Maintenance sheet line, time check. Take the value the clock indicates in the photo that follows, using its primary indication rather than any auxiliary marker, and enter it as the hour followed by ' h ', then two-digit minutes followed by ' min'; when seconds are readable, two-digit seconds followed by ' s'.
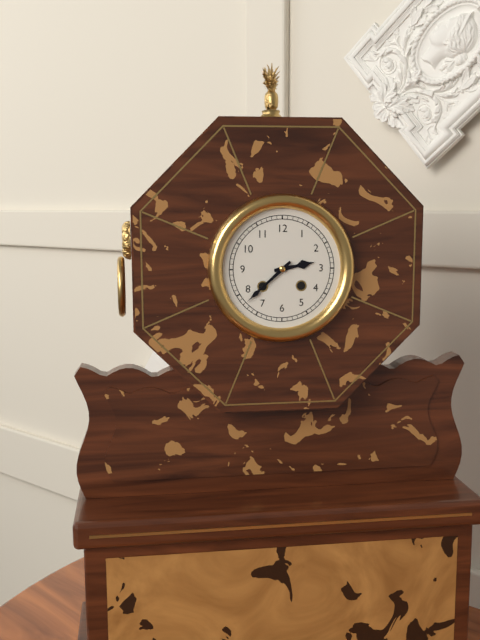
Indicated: 2 h 38 min
